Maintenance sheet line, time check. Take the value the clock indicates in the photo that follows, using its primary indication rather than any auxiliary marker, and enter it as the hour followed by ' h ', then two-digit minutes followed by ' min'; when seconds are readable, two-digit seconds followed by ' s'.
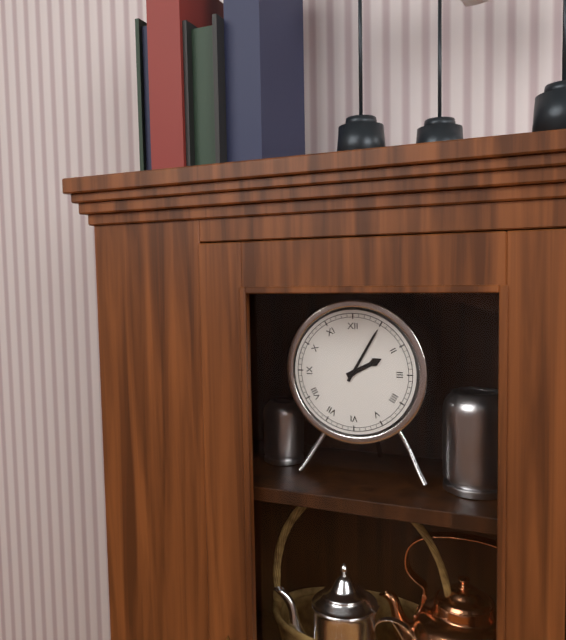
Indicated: 2 h 05 min
